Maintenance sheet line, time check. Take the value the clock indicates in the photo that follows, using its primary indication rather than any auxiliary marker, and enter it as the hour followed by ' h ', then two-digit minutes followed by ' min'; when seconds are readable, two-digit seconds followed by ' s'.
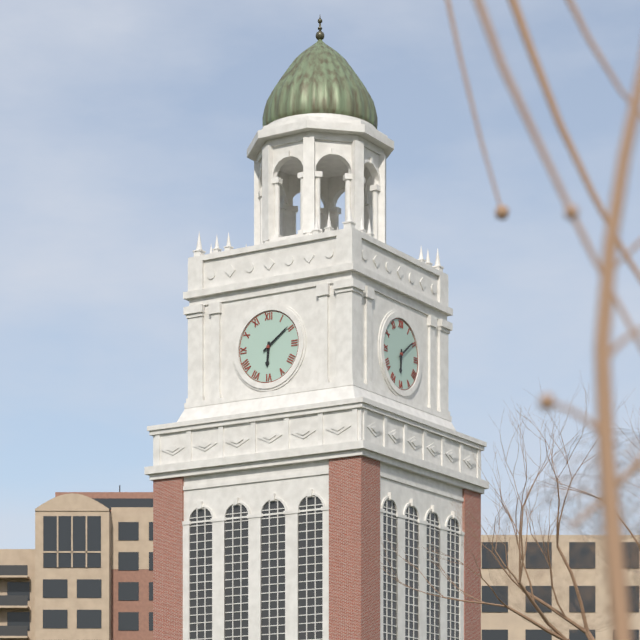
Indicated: 6 h 09 min
